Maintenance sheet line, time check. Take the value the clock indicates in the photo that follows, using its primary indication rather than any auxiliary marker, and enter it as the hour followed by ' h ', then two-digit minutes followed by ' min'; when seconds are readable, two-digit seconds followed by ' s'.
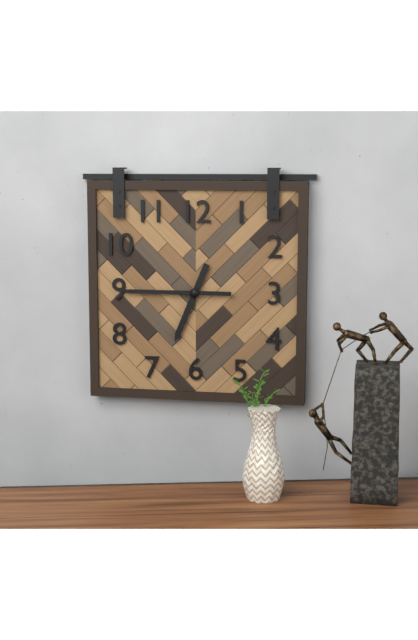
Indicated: 6 h 45 min
